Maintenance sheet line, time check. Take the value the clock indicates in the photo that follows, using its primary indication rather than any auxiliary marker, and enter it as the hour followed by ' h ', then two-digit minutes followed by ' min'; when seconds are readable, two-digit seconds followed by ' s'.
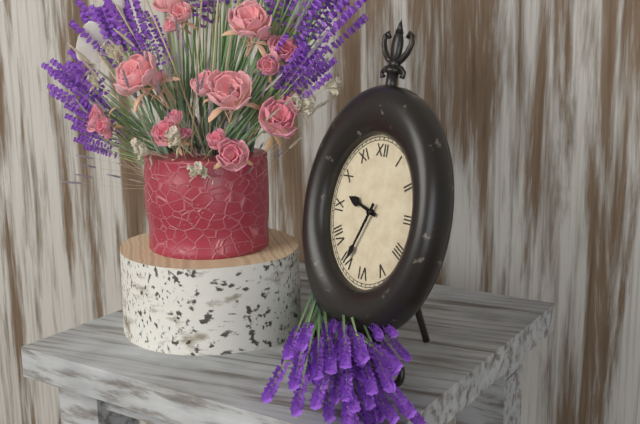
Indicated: 9 h 34 min
